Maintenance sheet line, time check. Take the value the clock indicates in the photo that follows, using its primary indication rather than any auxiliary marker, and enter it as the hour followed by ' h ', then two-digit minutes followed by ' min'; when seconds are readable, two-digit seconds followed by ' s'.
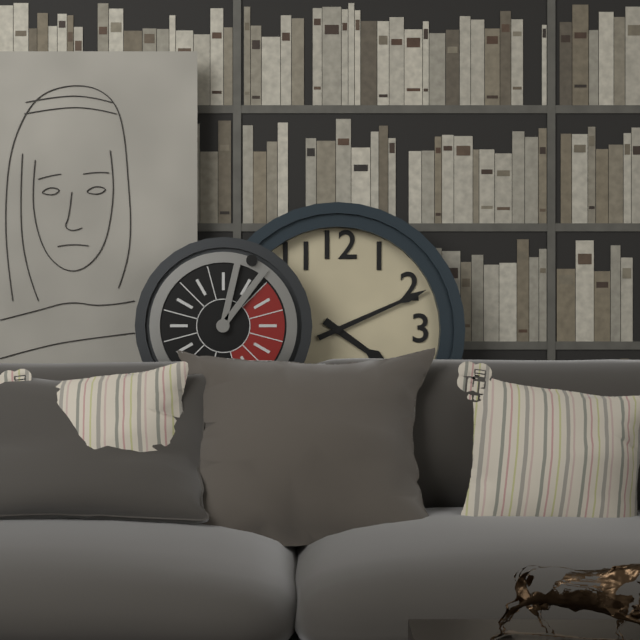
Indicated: 4 h 11 min
